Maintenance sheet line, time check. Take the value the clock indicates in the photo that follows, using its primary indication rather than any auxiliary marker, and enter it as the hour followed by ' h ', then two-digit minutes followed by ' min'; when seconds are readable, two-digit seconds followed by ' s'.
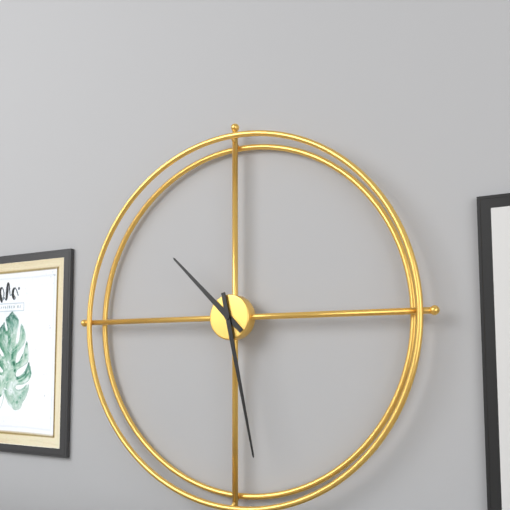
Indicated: 10 h 28 min
